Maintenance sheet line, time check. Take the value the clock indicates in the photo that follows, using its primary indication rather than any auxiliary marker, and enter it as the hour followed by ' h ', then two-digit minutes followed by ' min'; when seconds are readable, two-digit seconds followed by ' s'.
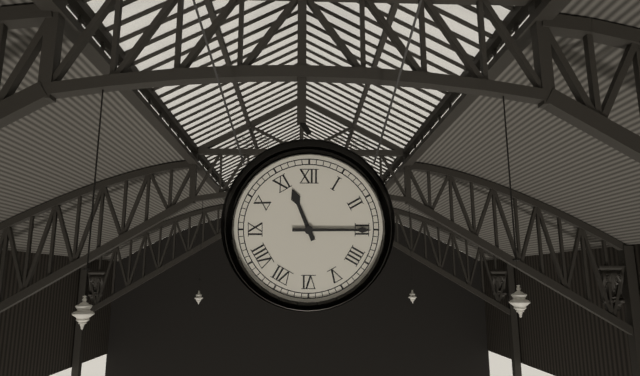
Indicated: 11 h 15 min
